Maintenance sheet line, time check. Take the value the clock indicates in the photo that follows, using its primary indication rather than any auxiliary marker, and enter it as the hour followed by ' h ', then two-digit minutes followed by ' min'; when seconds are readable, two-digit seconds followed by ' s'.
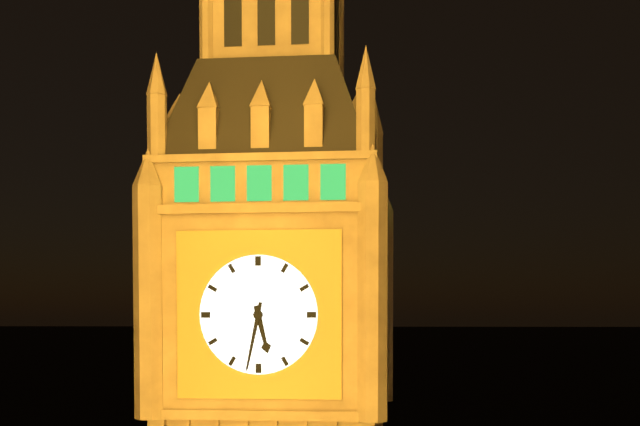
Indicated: 5 h 32 min
